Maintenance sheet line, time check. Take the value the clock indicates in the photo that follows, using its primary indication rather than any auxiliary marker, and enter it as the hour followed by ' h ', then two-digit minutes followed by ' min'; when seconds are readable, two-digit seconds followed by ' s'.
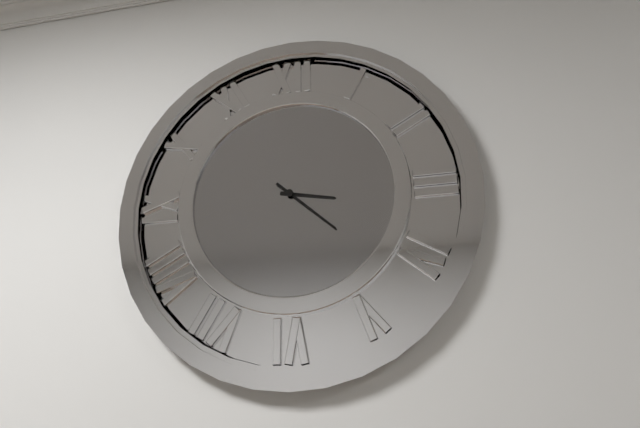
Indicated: 3 h 22 min
